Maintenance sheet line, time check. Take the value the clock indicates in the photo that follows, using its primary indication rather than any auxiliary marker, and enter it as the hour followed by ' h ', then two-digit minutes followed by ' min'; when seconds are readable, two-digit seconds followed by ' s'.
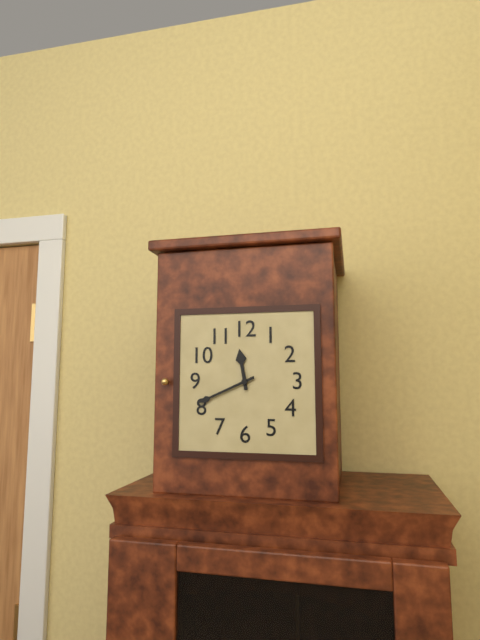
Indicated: 11 h 41 min
